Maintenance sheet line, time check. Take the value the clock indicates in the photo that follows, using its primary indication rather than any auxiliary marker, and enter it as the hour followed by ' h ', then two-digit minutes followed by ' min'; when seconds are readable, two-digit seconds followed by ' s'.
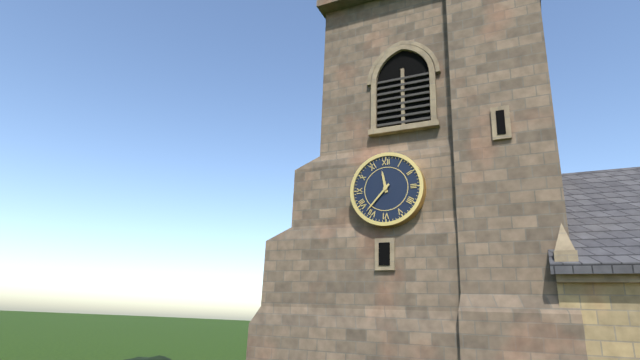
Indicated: 11 h 37 min
